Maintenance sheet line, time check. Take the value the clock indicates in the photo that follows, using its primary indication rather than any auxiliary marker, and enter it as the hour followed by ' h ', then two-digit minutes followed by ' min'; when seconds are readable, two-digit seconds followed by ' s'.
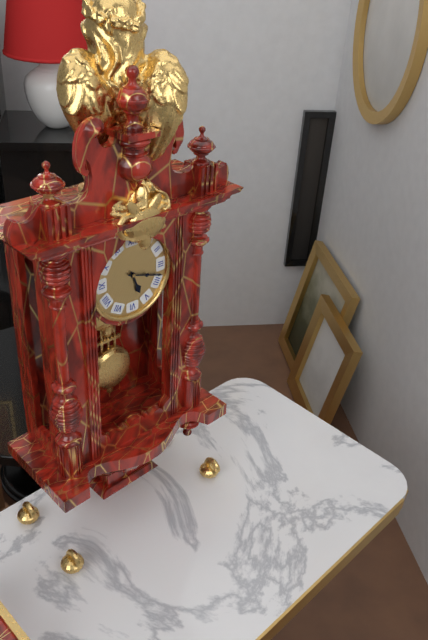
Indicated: 5 h 18 min
